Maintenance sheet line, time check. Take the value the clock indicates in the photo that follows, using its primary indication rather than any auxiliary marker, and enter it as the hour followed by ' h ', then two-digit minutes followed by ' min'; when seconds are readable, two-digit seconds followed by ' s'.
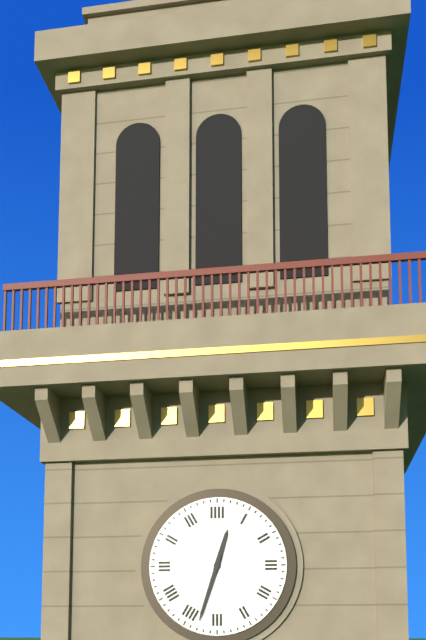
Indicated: 12 h 33 min
